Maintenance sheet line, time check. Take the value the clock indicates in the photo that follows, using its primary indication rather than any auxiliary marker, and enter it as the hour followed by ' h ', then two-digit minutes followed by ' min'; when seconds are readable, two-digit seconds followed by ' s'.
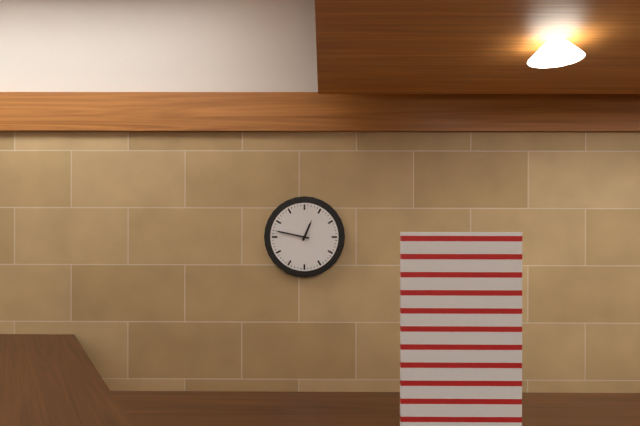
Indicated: 12 h 47 min
